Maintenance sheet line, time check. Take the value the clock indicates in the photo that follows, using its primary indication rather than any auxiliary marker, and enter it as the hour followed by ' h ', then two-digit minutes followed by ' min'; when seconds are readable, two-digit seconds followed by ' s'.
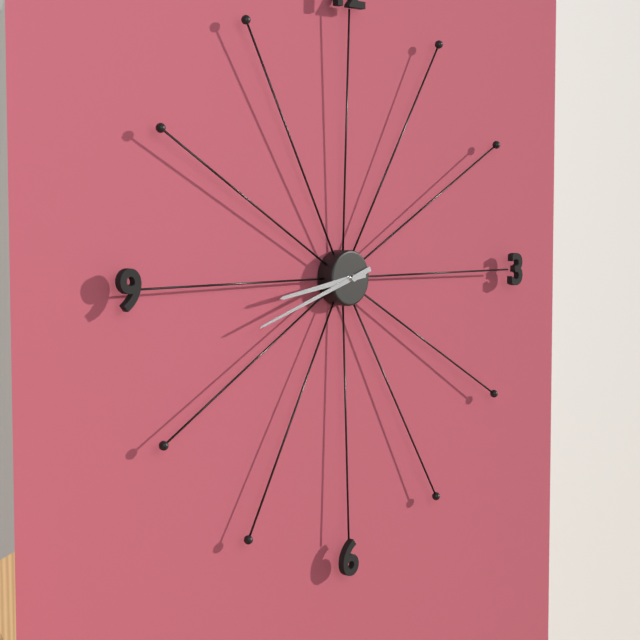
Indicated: 8 h 42 min
